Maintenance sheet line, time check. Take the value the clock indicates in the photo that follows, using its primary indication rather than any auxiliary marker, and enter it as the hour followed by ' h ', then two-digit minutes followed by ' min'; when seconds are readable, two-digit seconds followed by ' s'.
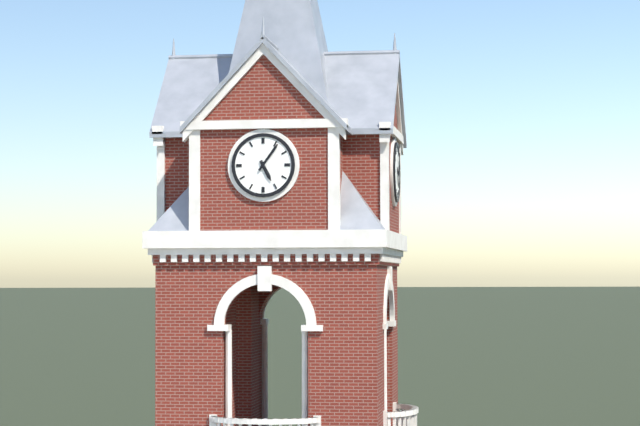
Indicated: 5 h 06 min
